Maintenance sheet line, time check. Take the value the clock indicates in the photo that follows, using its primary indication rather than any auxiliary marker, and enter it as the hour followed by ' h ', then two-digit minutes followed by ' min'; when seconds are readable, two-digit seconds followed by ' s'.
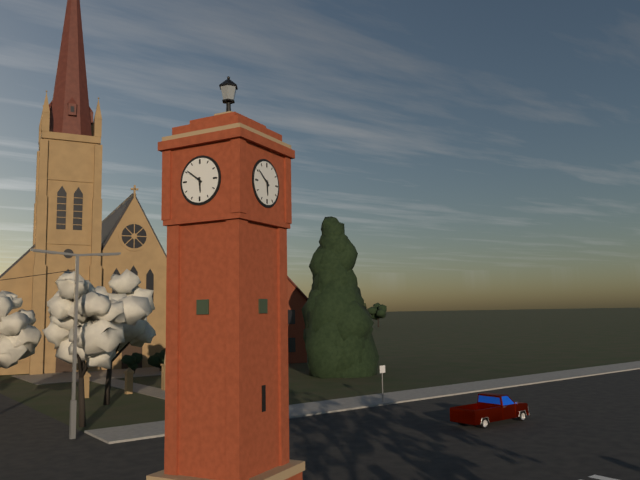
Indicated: 5 h 51 min
